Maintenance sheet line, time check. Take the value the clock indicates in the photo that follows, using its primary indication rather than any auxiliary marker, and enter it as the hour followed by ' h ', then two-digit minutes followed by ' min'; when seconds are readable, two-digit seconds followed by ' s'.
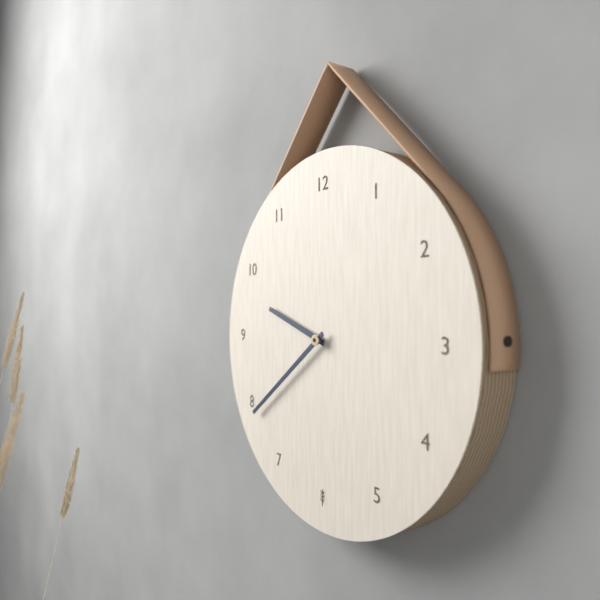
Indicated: 9 h 39 min
